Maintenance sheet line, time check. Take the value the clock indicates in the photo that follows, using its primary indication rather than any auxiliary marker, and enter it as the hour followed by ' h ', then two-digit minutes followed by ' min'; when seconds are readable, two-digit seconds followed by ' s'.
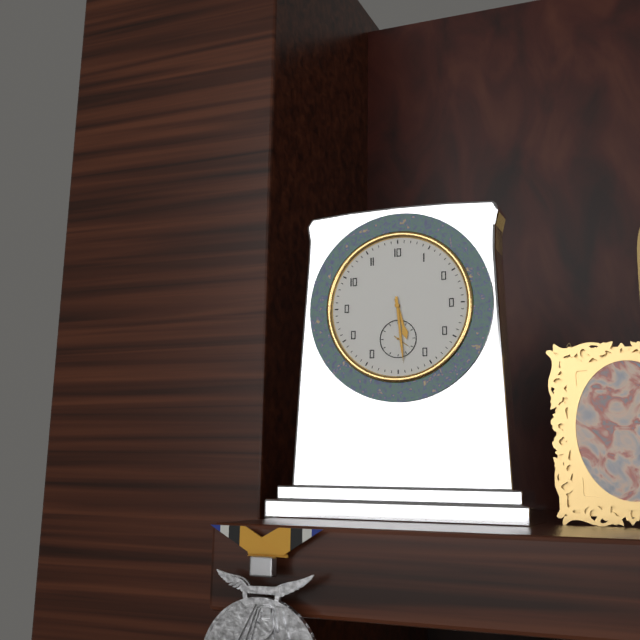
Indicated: 5 h 29 min
